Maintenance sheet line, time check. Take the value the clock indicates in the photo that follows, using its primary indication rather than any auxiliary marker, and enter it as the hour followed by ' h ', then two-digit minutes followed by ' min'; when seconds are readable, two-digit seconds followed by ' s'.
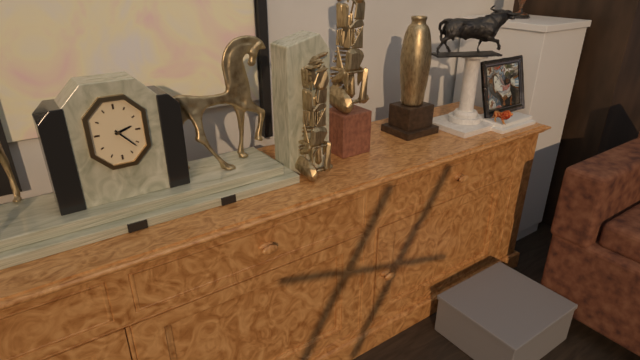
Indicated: 2 h 23 min
